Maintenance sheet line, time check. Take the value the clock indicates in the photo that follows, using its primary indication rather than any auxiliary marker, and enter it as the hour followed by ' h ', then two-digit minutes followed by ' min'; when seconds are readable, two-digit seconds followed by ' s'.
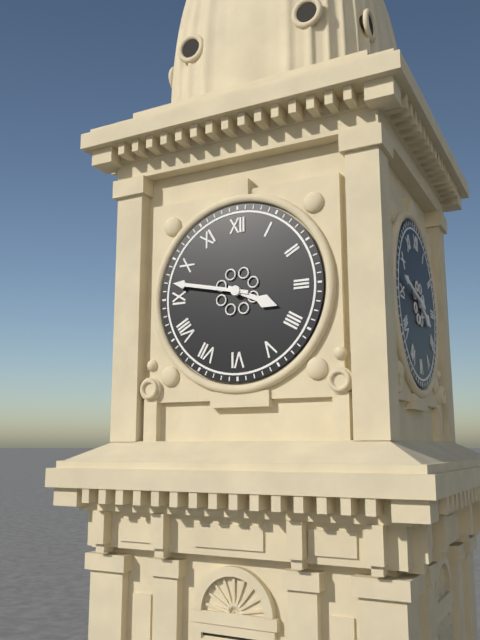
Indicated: 3 h 47 min
